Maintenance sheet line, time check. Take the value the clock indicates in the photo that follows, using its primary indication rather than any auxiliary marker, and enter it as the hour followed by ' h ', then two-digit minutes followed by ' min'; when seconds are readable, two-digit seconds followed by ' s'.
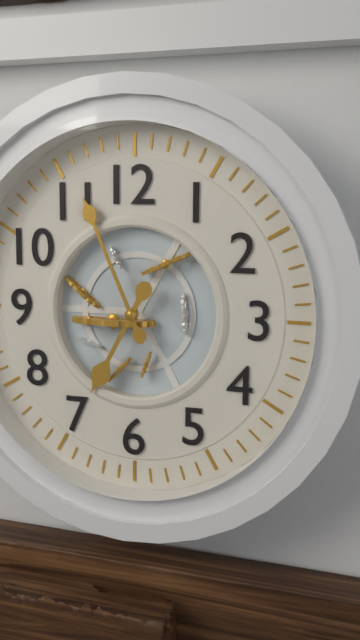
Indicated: 6 h 56 min
